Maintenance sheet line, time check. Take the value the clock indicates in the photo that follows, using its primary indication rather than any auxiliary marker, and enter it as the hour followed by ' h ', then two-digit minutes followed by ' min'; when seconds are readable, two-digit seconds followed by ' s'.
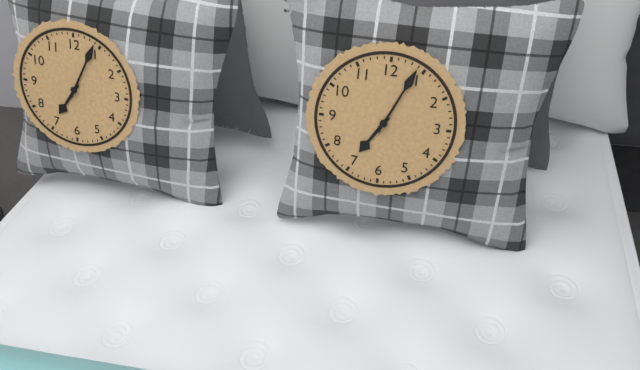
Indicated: 7 h 04 min
